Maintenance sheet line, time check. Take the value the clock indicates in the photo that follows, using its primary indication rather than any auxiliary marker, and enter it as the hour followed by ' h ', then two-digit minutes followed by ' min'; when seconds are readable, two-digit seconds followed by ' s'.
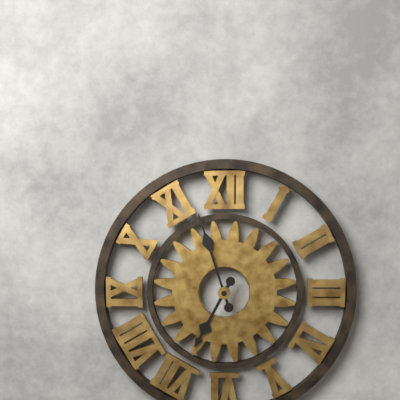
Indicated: 6 h 57 min
